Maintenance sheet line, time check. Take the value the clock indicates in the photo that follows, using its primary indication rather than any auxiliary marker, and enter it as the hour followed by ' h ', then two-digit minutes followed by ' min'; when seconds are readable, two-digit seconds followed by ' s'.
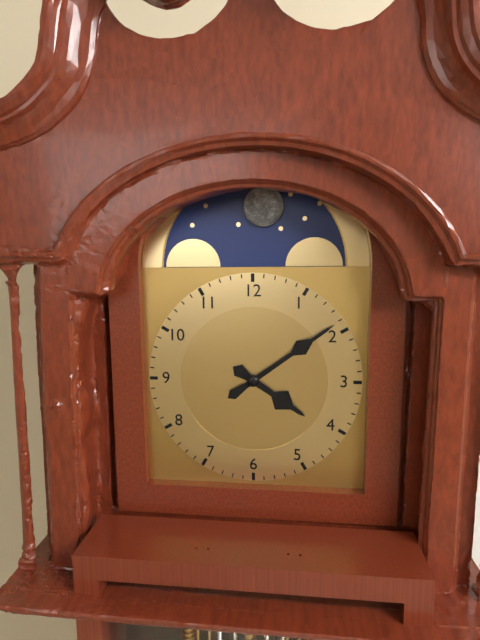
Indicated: 4 h 09 min
